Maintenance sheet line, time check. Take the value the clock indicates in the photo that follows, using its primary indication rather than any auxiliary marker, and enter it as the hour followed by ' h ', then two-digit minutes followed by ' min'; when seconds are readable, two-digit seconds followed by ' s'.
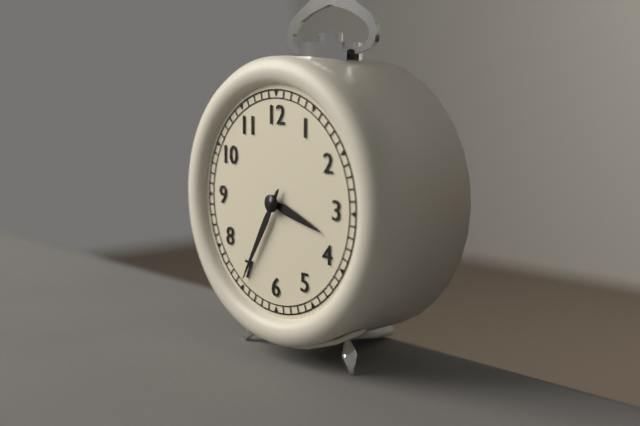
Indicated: 3 h 35 min
